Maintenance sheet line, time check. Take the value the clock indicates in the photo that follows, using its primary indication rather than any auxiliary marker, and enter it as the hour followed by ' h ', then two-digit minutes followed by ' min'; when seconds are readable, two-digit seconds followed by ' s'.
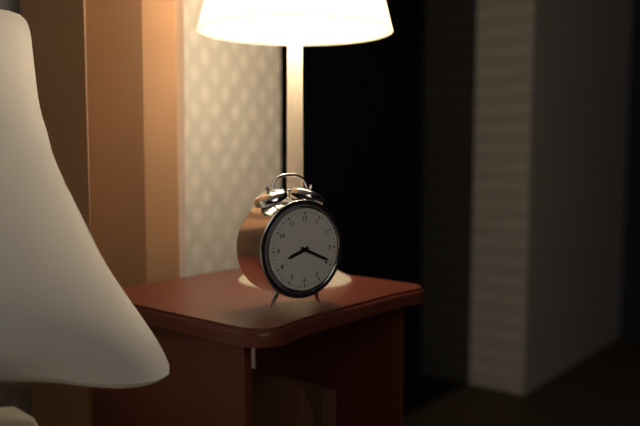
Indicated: 8 h 19 min
